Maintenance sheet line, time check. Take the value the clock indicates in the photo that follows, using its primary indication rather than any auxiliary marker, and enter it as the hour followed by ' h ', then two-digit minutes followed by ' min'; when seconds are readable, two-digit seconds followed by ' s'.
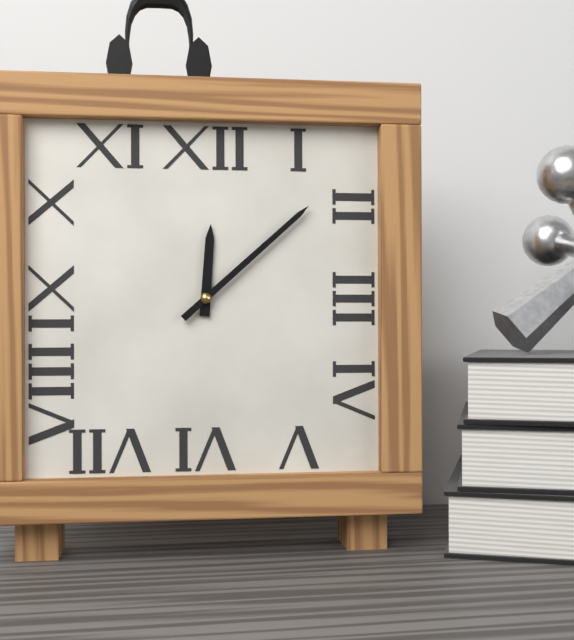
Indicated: 12 h 08 min
